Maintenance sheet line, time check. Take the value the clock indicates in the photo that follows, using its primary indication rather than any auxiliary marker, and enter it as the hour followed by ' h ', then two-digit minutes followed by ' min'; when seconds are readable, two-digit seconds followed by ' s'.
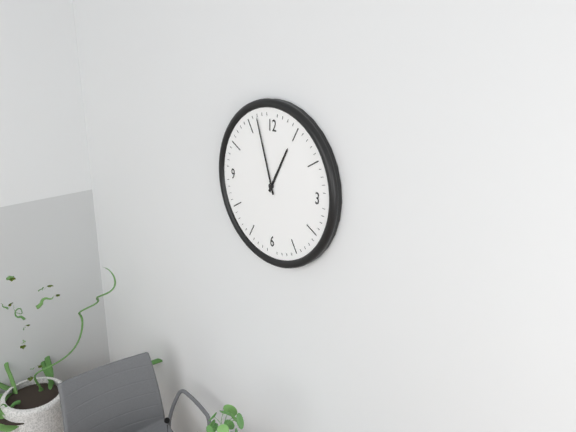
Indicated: 12 h 57 min
